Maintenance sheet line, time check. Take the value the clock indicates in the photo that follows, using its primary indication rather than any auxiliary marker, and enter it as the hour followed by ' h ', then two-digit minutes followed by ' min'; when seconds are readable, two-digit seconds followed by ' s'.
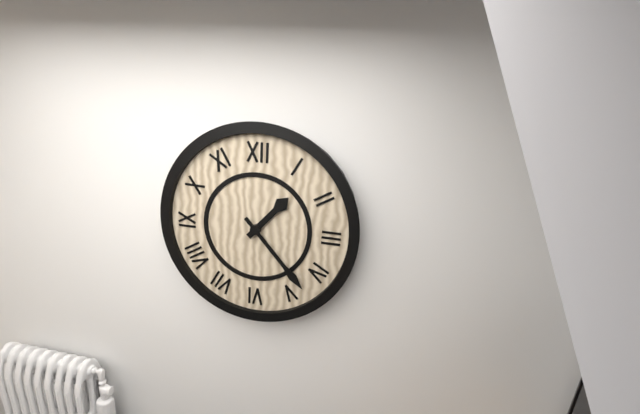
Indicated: 1 h 23 min
